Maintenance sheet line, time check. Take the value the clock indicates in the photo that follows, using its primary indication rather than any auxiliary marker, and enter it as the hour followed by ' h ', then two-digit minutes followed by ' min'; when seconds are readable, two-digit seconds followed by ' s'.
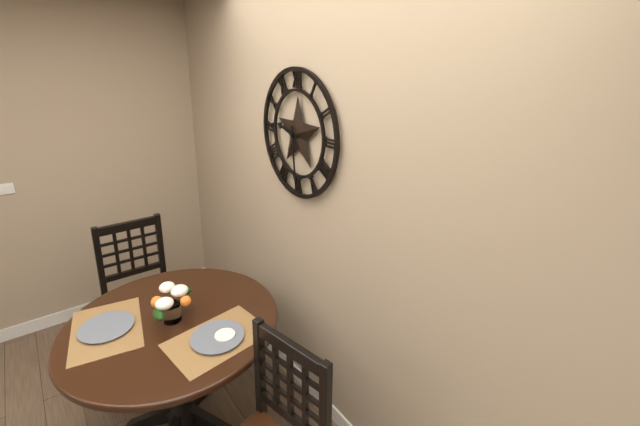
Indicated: 9 h 29 min
